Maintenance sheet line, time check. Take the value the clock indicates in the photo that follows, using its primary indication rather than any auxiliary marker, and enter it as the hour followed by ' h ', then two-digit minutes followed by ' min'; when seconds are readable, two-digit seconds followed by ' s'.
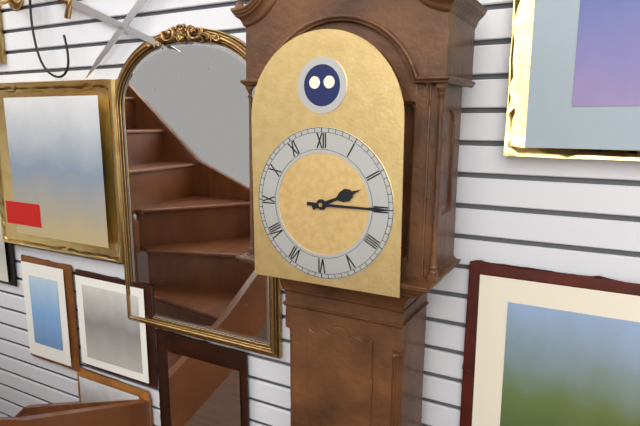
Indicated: 2 h 15 min
